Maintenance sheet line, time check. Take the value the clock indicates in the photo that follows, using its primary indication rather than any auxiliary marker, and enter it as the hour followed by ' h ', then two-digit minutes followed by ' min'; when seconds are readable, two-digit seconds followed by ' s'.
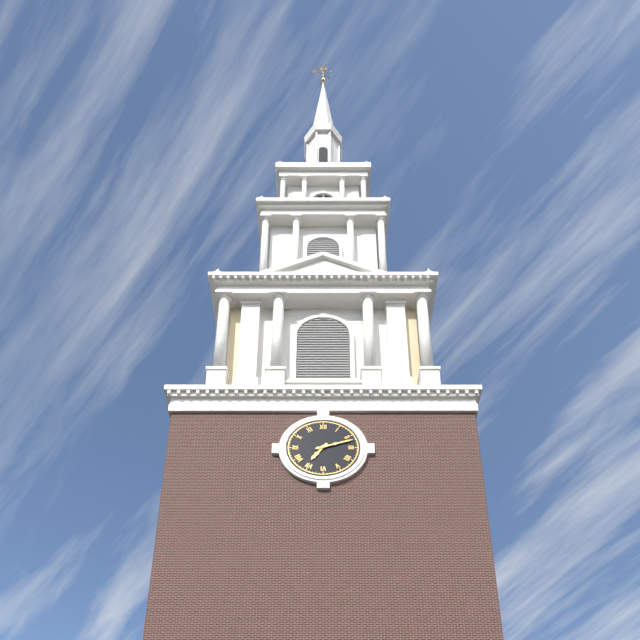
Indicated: 7 h 12 min
